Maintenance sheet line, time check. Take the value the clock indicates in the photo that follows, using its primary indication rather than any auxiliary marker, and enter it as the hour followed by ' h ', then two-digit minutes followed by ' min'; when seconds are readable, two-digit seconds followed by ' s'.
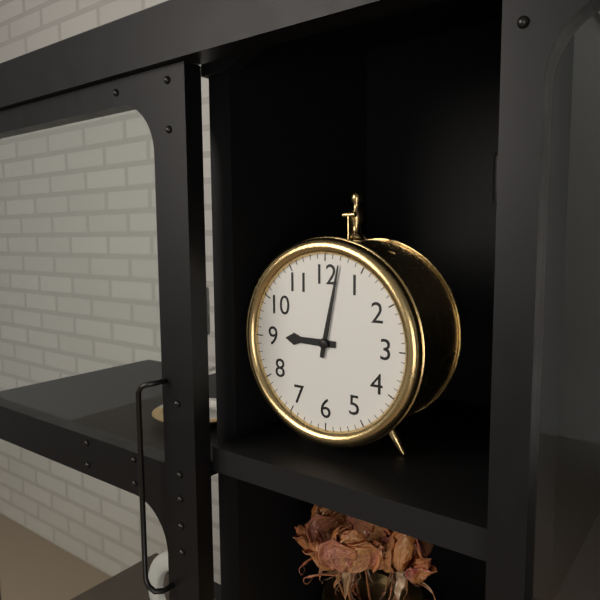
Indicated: 9 h 02 min
